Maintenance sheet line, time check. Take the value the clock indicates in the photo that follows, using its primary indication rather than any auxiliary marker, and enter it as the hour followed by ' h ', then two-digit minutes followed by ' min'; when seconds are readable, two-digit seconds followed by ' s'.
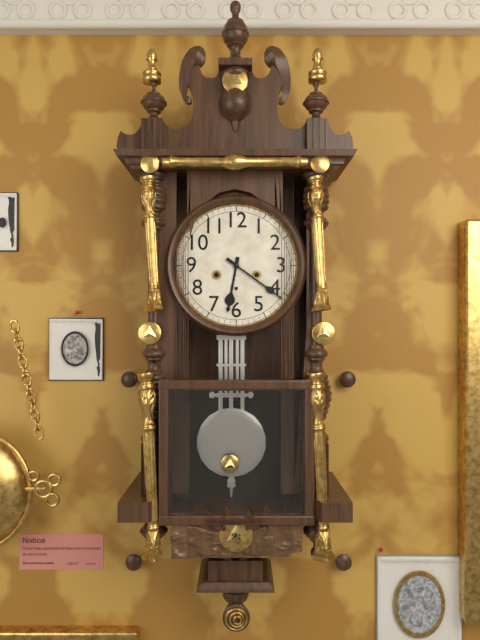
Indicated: 6 h 21 min
